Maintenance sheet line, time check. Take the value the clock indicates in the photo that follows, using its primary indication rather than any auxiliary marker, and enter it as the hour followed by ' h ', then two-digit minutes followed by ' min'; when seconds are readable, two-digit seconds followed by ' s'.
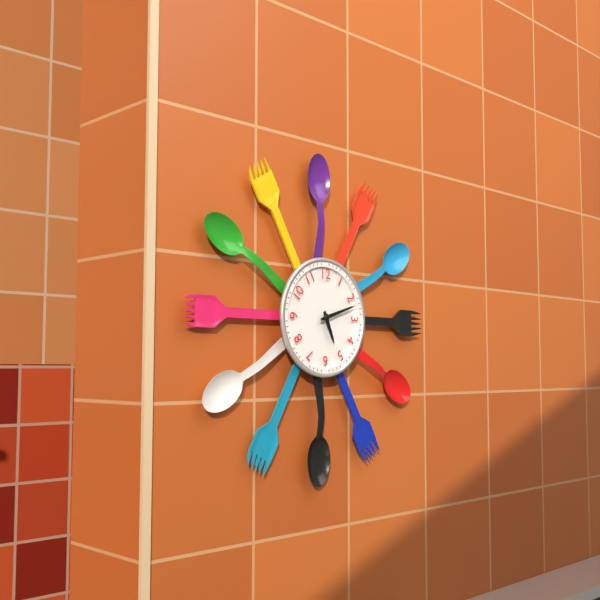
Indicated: 5 h 12 min
